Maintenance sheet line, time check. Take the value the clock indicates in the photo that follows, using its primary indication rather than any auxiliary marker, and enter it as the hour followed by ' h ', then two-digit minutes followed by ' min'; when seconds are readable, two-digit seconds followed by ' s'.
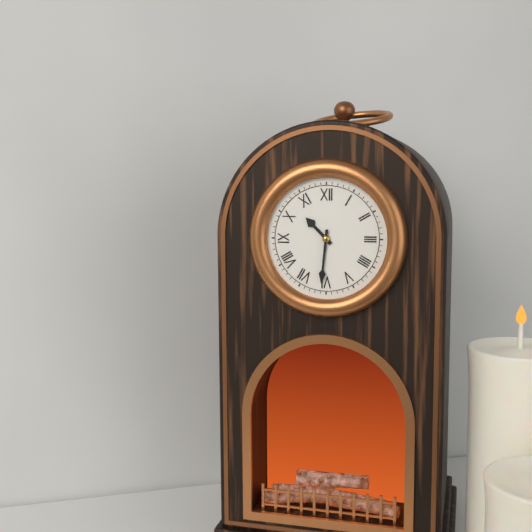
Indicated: 10 h 31 min
